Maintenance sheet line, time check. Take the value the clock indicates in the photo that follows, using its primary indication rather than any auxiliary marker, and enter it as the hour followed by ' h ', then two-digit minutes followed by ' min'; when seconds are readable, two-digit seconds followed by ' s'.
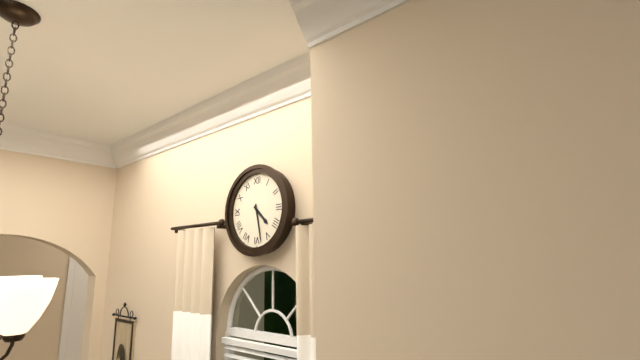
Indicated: 4 h 28 min
